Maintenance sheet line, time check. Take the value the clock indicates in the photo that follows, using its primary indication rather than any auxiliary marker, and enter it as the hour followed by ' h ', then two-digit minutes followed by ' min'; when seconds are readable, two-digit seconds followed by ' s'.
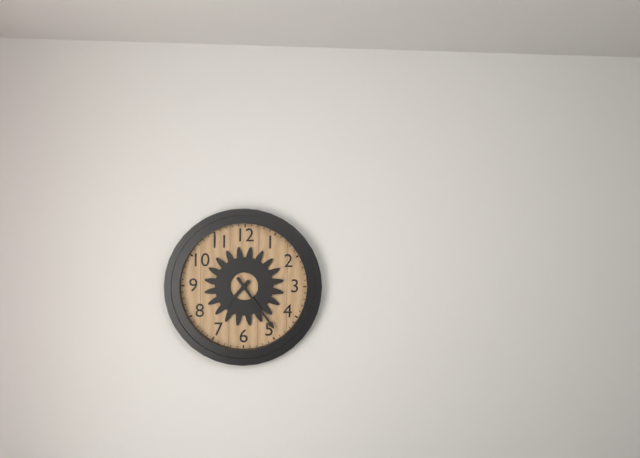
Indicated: 7 h 24 min
